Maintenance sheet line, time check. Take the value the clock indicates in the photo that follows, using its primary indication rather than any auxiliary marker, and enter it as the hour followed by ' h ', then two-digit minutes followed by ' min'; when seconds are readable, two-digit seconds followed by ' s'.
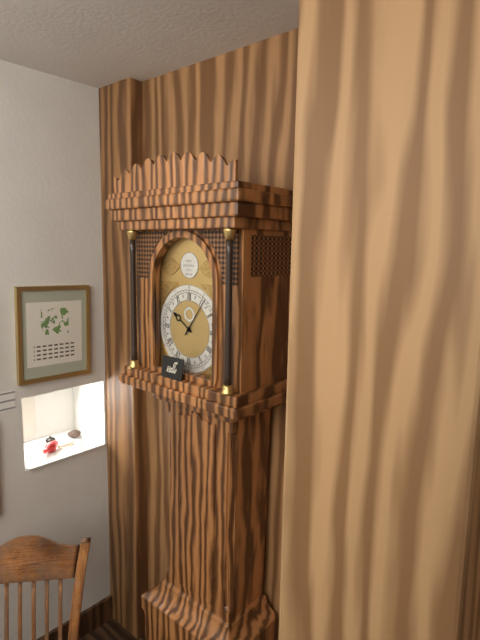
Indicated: 10 h 06 min
